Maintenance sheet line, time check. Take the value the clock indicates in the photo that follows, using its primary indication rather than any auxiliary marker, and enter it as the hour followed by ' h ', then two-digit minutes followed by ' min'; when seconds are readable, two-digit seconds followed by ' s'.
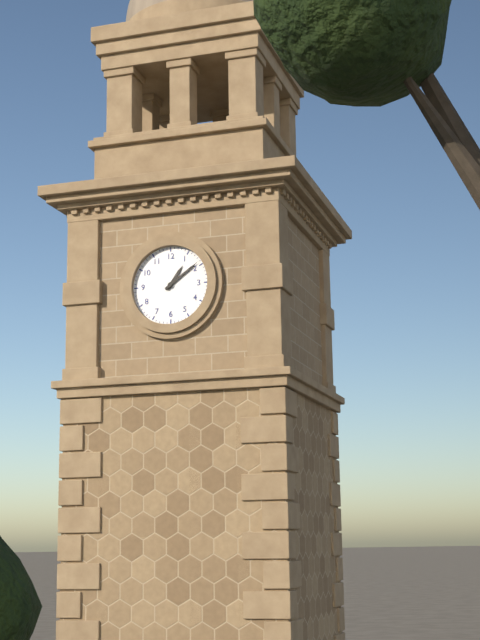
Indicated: 1 h 09 min
